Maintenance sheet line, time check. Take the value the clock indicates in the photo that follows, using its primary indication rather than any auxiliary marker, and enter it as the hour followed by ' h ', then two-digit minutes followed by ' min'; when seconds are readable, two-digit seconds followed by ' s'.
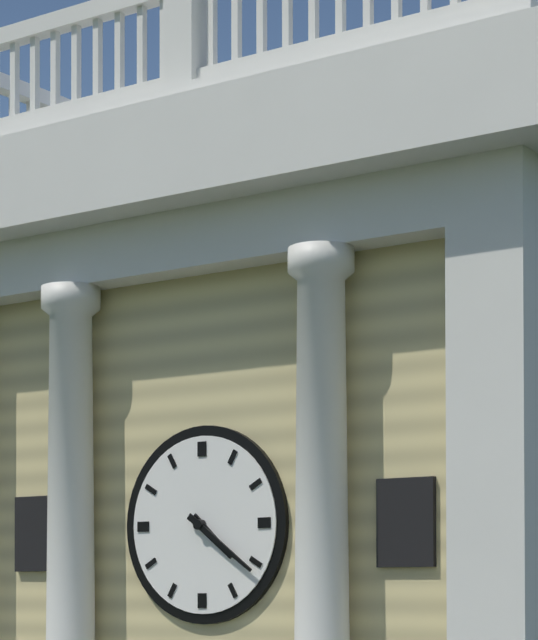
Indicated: 4 h 21 min
